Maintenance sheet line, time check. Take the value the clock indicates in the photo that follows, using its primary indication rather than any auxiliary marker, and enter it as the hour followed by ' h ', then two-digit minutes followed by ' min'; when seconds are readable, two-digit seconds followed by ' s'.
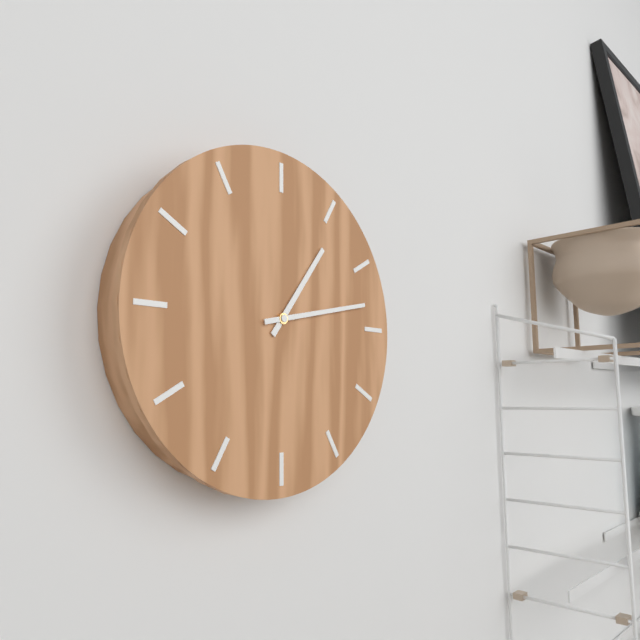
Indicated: 1 h 13 min
